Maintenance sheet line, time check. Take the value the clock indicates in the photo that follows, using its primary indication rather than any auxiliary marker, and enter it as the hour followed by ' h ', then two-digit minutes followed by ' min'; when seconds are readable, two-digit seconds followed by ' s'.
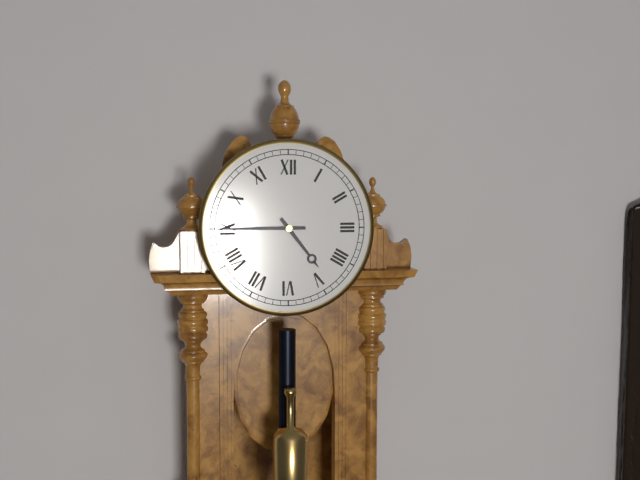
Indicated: 4 h 45 min
